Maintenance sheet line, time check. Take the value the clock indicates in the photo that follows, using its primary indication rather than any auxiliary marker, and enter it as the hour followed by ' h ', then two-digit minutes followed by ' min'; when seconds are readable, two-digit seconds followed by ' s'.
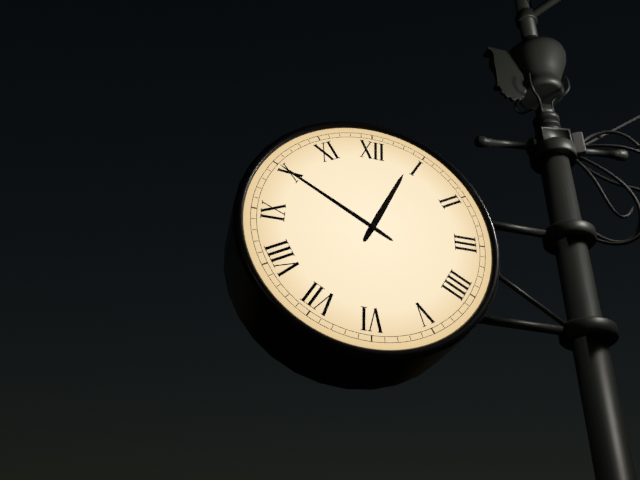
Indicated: 12 h 50 min
